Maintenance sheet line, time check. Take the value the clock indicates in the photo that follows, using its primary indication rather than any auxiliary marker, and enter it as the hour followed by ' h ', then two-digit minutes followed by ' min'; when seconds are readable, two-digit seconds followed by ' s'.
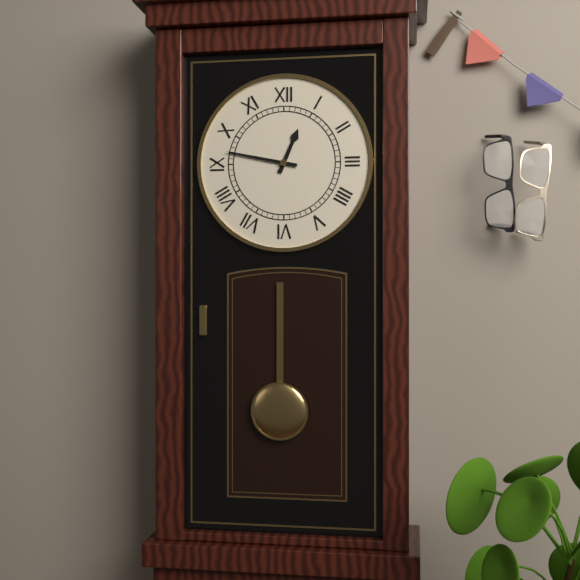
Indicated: 12 h 47 min
